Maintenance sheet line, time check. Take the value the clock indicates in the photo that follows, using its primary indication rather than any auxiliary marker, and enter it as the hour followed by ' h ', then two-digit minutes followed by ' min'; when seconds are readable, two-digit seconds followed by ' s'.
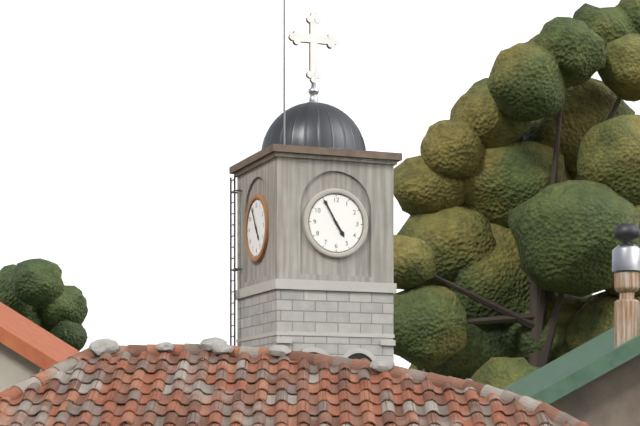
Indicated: 4 h 55 min
